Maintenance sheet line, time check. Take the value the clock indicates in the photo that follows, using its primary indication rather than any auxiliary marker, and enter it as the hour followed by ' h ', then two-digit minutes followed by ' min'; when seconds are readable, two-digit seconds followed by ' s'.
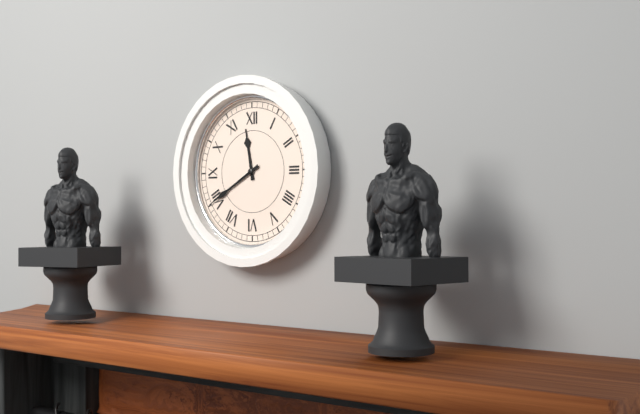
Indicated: 11 h 40 min
